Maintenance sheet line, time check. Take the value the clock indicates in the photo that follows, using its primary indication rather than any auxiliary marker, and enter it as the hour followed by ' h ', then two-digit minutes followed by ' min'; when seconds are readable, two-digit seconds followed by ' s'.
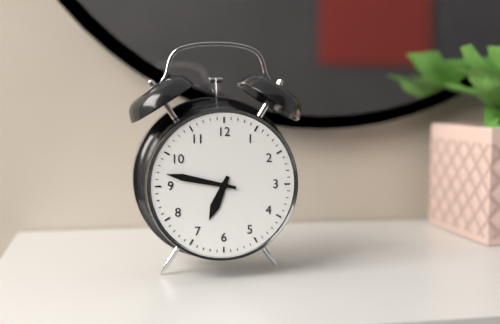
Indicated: 6 h 47 min
